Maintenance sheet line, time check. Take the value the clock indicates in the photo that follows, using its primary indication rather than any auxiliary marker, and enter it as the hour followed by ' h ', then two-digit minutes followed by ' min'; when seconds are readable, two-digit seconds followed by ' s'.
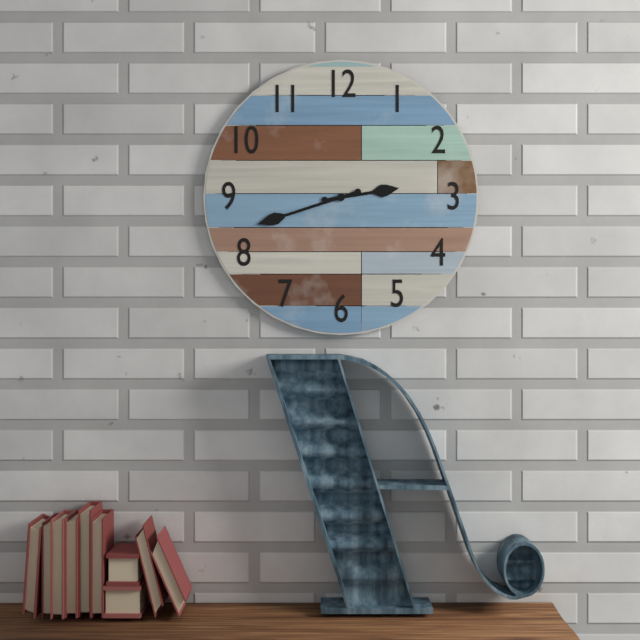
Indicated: 2 h 42 min
